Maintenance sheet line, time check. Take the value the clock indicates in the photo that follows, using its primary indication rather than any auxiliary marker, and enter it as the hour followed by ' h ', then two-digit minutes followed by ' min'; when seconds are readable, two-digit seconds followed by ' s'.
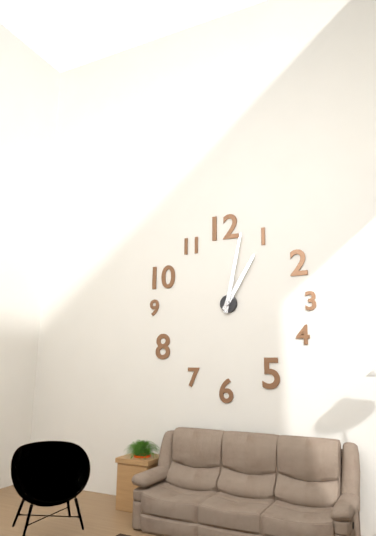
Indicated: 1 h 02 min
